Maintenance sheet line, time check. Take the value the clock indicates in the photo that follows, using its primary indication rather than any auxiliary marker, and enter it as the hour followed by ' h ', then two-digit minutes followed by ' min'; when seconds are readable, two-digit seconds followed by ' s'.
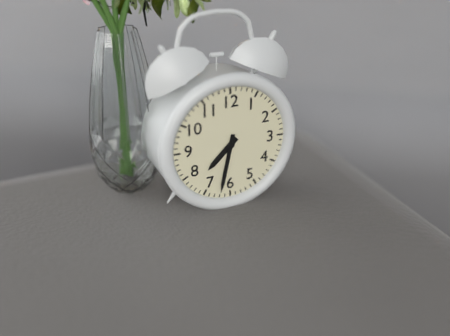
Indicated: 7 h 32 min
